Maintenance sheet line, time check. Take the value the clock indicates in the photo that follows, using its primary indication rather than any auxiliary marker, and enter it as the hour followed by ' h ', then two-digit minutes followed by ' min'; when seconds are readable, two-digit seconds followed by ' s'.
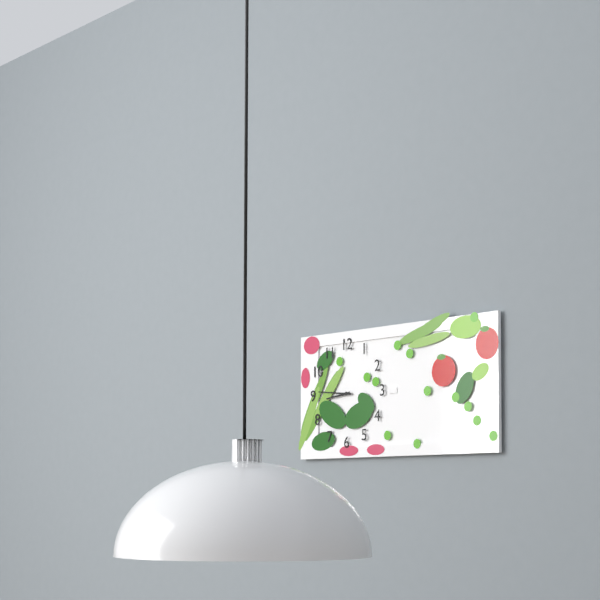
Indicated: 8 h 46 min
